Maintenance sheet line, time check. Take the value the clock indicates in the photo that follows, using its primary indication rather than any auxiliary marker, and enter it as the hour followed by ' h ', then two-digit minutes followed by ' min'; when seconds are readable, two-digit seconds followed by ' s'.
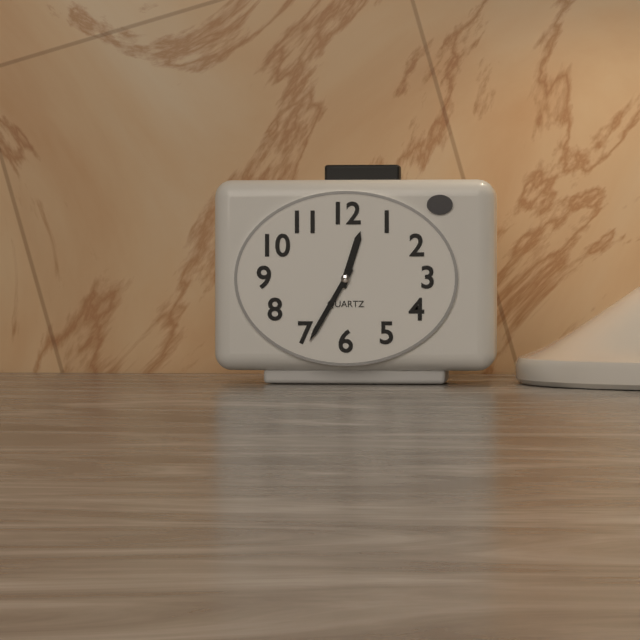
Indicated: 12 h 35 min
